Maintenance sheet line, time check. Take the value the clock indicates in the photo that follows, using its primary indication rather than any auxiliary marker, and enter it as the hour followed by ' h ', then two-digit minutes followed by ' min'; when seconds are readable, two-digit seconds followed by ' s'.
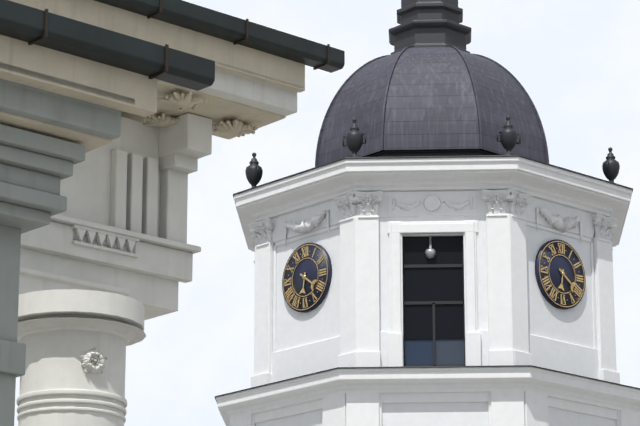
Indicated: 6 h 21 min
